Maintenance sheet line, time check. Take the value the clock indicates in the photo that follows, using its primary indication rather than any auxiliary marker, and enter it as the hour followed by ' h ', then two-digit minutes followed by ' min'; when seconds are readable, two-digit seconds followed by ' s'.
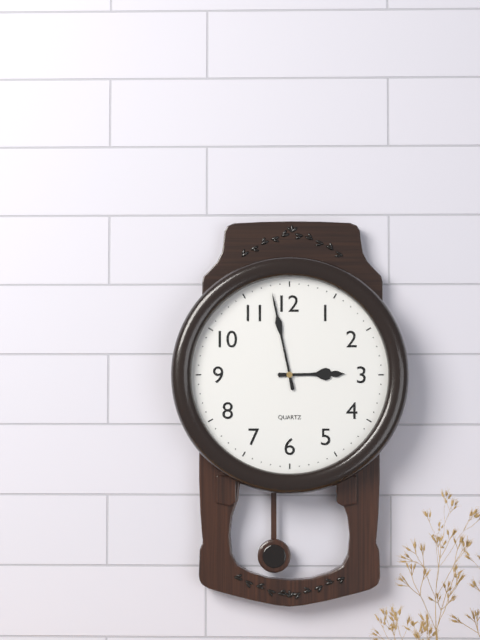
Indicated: 2 h 58 min
